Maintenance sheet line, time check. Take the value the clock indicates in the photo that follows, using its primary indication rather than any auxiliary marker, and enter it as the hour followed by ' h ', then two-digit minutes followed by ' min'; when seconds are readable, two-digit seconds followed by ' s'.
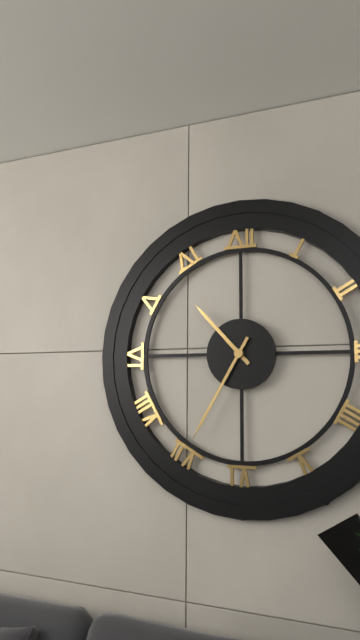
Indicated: 10 h 35 min
